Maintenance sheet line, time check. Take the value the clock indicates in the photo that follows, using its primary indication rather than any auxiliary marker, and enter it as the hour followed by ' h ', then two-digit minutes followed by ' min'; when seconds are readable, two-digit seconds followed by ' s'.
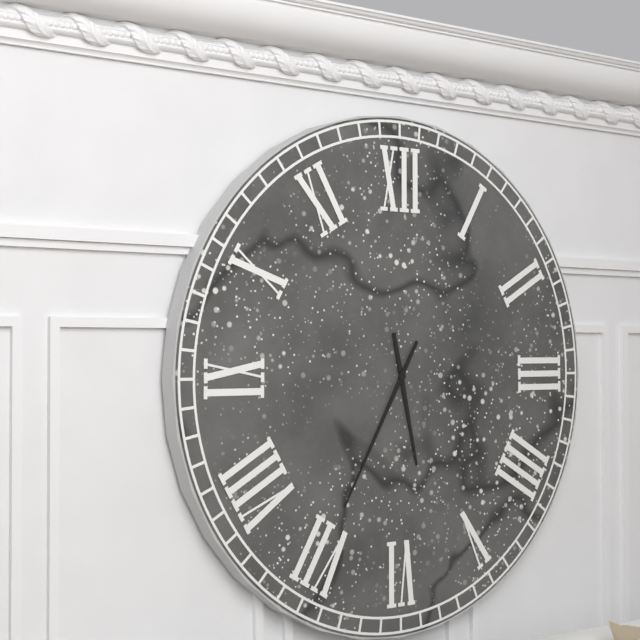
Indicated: 5 h 35 min
